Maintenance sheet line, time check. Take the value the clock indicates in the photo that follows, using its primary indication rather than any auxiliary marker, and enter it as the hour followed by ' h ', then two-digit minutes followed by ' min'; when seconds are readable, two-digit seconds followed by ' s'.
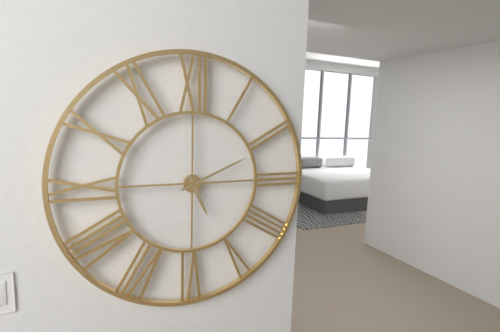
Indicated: 5 h 11 min
